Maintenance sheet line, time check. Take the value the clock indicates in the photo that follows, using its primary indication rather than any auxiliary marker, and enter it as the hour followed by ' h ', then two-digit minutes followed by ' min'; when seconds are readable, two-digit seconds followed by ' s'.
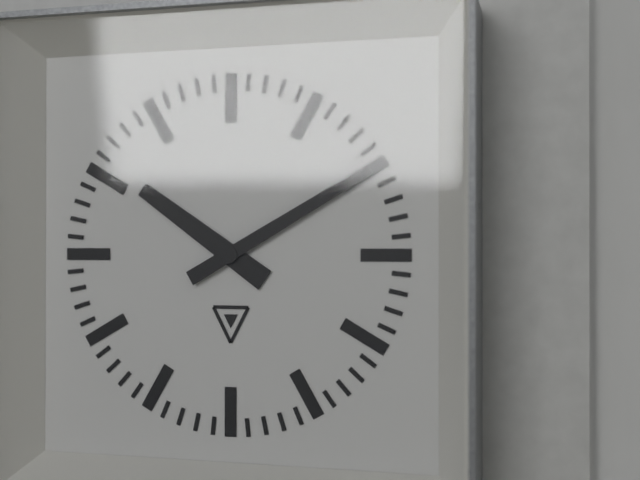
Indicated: 10 h 10 min
